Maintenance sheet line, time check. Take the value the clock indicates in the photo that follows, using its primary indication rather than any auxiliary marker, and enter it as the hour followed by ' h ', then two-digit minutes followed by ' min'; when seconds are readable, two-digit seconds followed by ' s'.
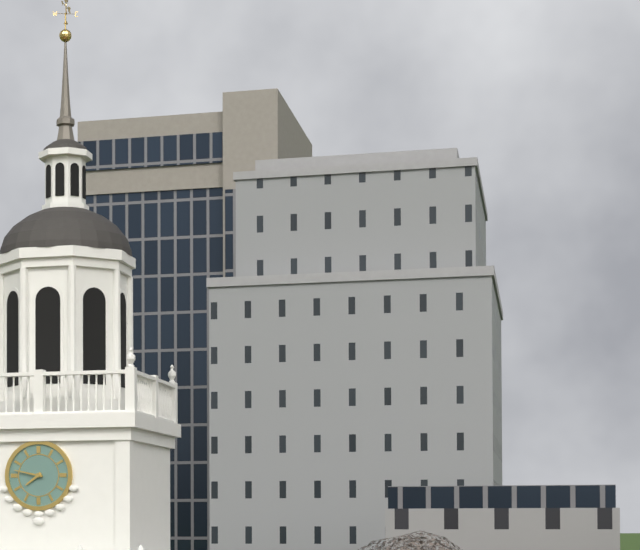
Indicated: 7 h 47 min
